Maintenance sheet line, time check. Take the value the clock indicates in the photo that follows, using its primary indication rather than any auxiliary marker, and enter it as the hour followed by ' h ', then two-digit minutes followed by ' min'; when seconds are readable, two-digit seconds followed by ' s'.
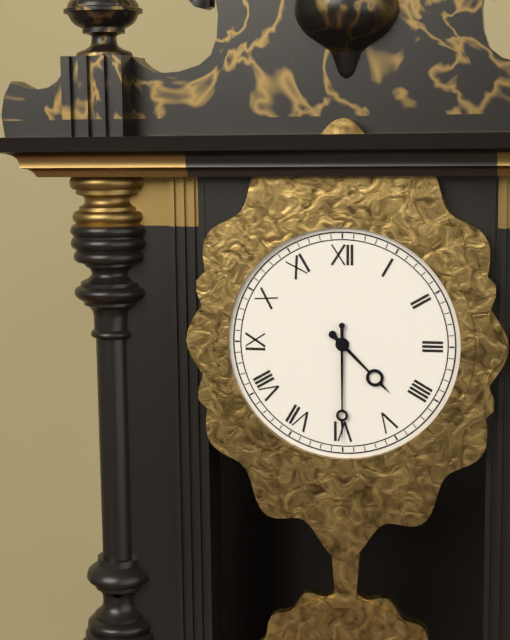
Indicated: 4 h 30 min
